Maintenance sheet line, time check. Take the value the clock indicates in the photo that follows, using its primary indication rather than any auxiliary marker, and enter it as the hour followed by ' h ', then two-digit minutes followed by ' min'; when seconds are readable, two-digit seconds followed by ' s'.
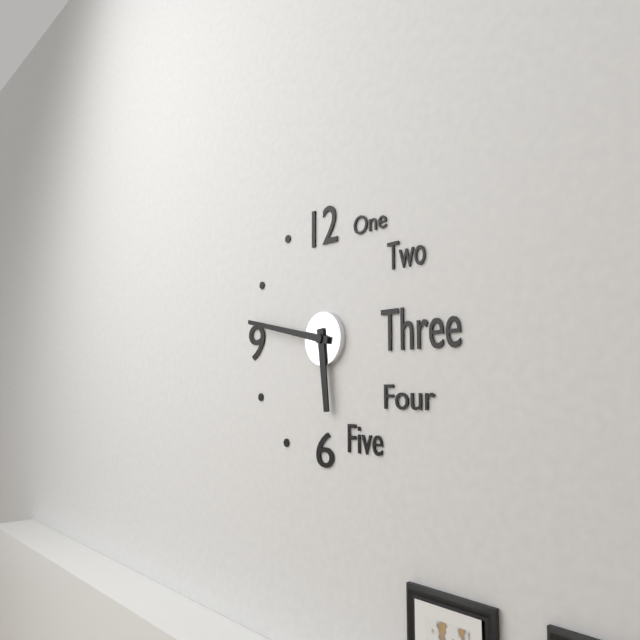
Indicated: 5 h 47 min
